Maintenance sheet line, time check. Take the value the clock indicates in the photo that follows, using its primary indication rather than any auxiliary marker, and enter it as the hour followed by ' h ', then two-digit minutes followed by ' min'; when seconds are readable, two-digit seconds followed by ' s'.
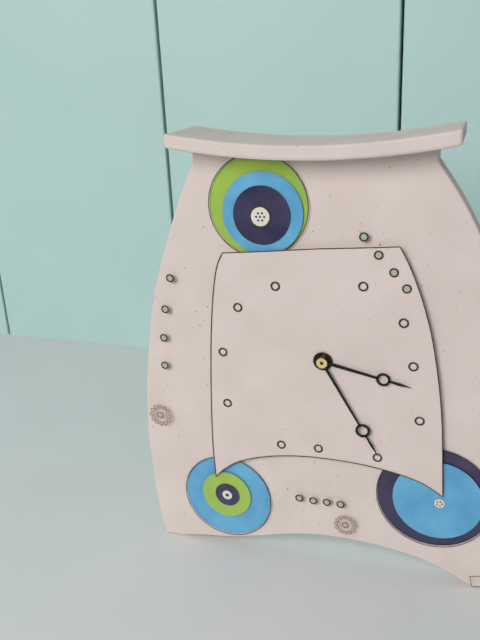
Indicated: 3 h 25 min
